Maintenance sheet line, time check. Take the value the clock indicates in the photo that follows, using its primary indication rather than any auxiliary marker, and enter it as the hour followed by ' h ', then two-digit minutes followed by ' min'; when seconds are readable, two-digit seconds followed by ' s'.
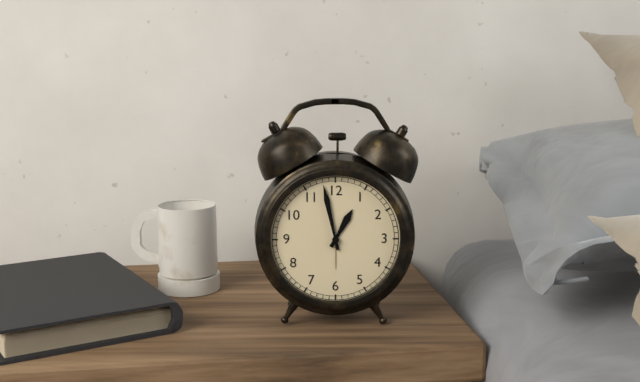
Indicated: 12 h 58 min
